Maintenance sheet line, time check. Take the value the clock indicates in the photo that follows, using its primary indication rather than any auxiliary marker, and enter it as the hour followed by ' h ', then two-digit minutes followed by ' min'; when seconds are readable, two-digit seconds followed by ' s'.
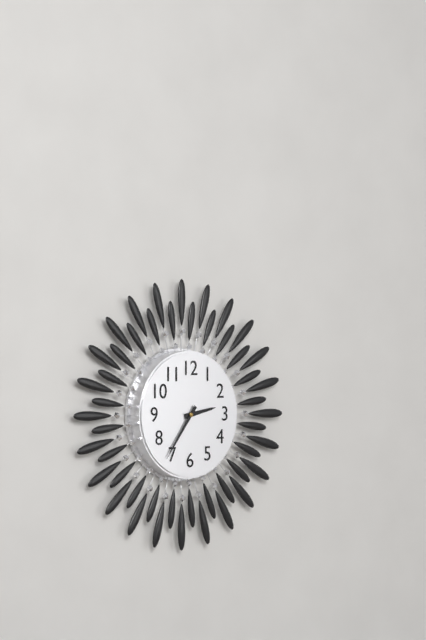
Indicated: 2 h 36 min
